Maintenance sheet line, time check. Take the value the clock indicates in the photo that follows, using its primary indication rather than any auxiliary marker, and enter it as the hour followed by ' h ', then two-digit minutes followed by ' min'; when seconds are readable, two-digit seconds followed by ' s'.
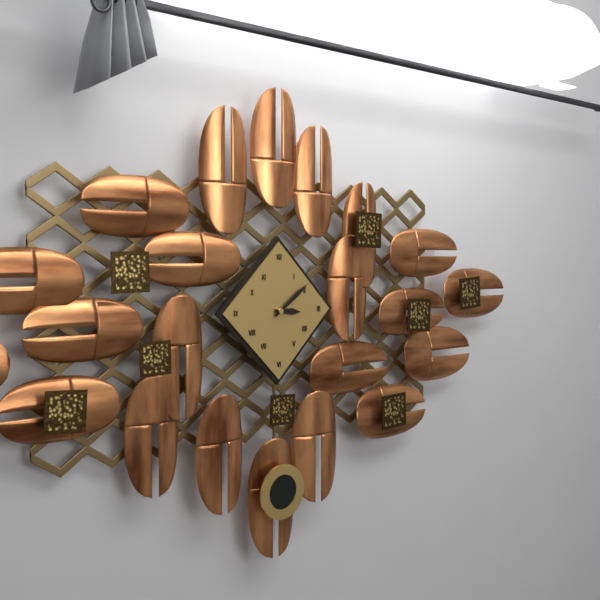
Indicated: 3 h 09 min
